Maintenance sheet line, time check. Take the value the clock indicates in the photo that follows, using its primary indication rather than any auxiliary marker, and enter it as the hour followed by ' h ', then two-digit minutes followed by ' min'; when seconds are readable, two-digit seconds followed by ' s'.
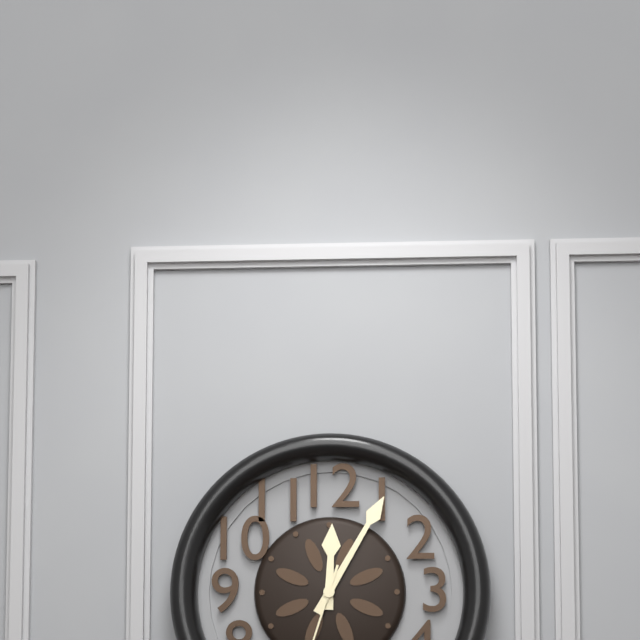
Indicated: 12 h 05 min
